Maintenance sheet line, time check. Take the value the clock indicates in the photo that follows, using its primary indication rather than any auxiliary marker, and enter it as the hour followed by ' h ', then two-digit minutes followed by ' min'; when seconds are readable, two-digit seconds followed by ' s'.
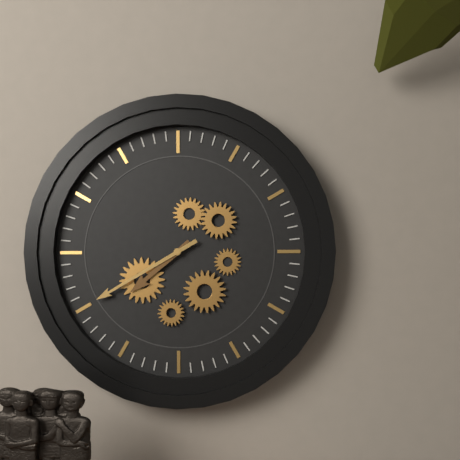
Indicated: 7 h 40 min
